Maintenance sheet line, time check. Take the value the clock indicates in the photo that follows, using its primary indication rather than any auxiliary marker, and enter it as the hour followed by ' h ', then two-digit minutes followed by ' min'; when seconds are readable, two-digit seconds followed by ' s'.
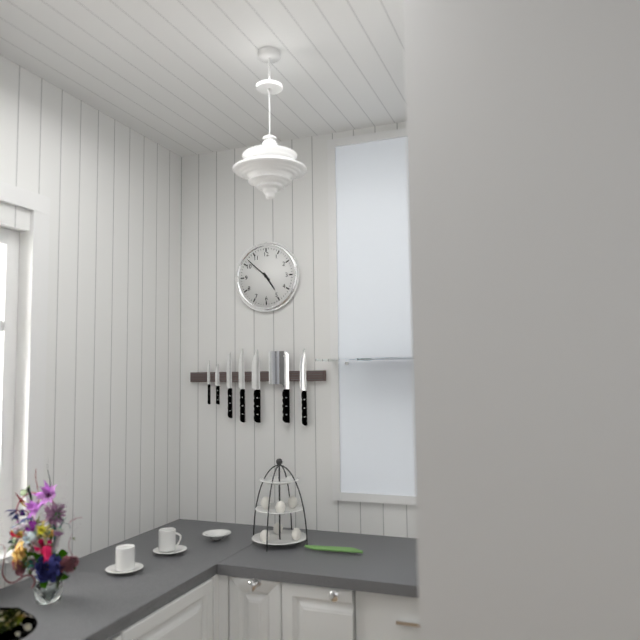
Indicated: 4 h 52 min
